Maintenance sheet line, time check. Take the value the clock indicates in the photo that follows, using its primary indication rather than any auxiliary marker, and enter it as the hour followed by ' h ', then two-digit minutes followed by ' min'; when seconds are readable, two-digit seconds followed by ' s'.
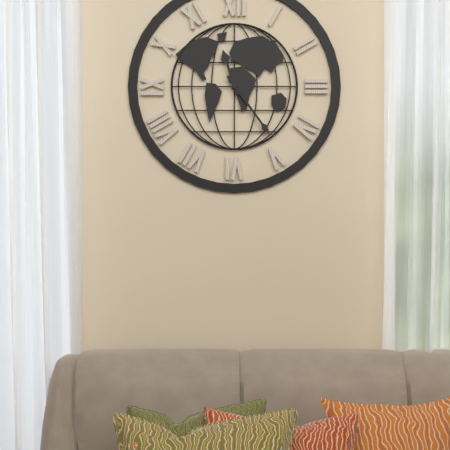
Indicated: 11 h 24 min
